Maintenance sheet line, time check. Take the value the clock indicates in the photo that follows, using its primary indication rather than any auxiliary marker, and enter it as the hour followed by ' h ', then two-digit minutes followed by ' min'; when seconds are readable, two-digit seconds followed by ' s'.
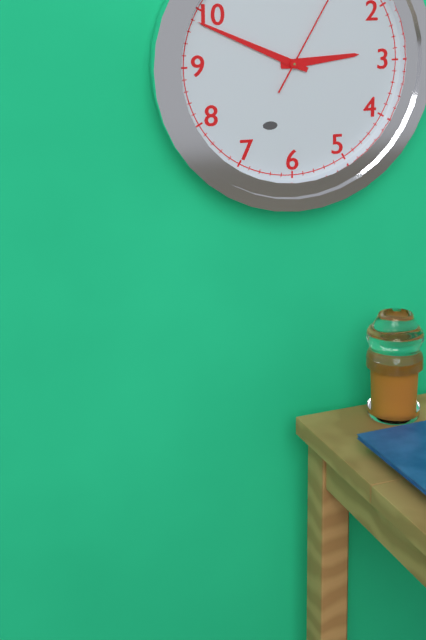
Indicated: 2 h 49 min
